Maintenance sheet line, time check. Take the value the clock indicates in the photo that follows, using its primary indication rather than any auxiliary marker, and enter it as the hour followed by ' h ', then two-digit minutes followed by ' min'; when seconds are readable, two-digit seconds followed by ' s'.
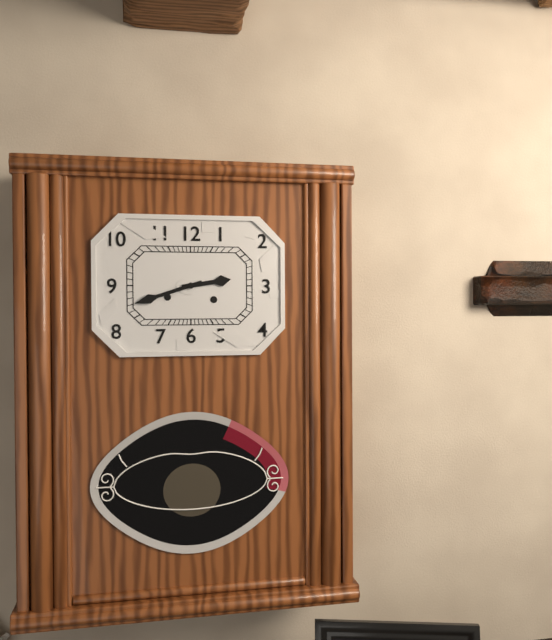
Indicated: 2 h 42 min
